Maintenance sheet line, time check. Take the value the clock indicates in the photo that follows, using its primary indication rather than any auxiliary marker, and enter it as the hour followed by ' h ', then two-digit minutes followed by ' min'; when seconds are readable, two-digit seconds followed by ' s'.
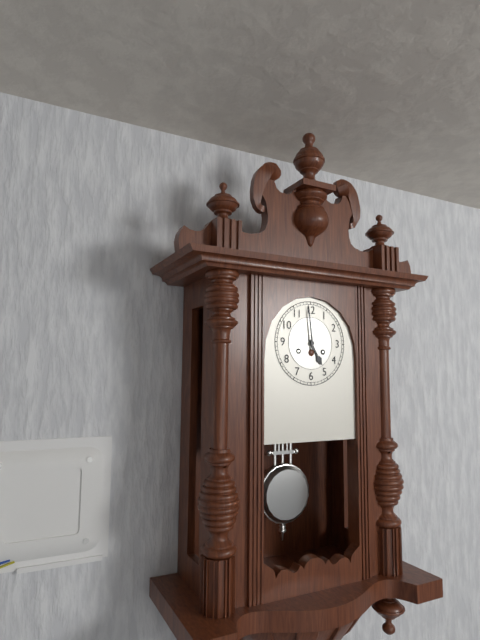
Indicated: 4 h 59 min
